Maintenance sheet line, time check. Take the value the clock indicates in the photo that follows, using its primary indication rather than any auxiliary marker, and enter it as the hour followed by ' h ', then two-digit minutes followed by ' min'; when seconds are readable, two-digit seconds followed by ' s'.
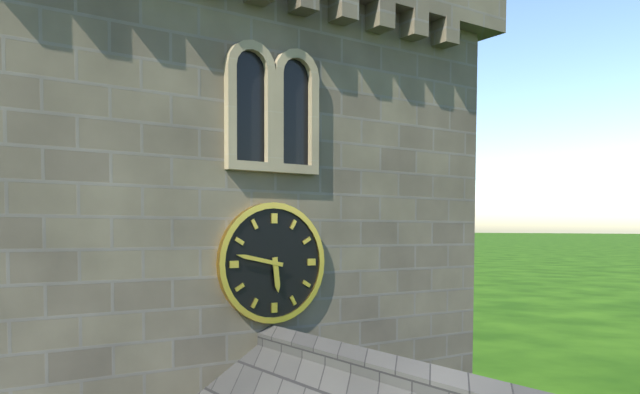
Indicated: 5 h 47 min
